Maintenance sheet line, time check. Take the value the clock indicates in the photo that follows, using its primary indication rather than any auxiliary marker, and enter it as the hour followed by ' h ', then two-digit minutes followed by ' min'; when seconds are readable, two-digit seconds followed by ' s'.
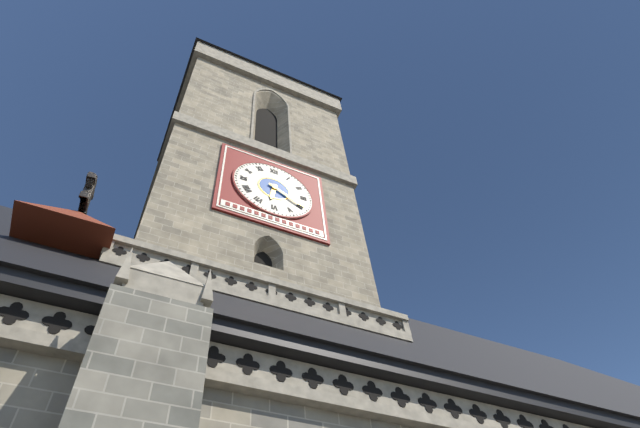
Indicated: 6 h 20 min
